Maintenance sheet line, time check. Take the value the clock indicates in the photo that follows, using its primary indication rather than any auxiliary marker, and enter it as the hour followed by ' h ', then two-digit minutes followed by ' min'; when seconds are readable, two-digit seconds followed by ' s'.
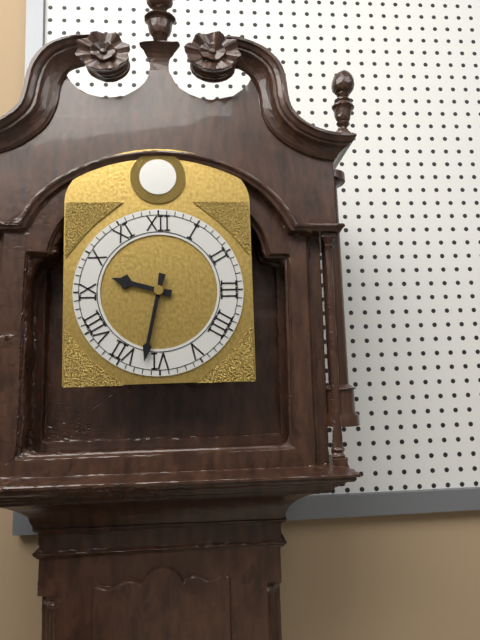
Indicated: 9 h 32 min
